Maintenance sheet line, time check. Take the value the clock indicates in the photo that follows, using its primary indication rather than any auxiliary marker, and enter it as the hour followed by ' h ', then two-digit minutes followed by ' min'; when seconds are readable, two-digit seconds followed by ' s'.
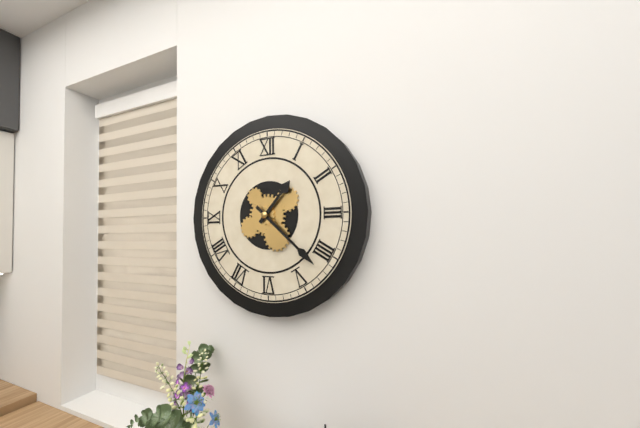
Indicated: 1 h 22 min
